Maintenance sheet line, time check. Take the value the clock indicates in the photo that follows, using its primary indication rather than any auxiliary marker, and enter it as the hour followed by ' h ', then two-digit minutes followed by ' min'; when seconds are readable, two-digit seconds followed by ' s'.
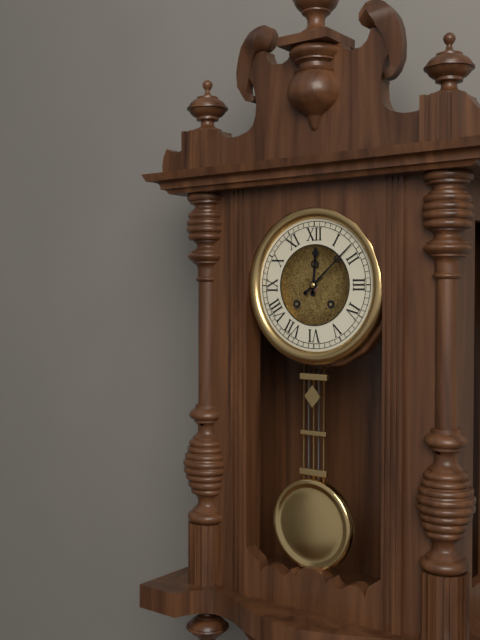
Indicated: 12 h 08 min
